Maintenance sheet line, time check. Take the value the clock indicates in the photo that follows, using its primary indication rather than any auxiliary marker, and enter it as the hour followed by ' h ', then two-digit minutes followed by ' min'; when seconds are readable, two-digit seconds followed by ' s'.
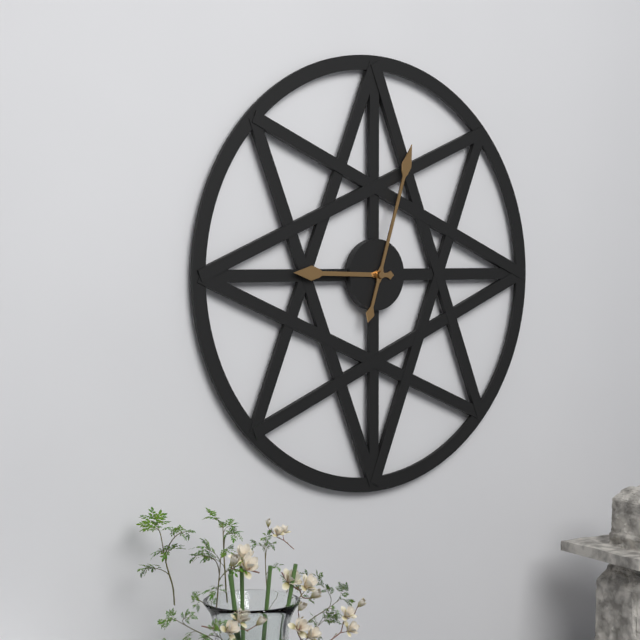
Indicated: 9 h 03 min
